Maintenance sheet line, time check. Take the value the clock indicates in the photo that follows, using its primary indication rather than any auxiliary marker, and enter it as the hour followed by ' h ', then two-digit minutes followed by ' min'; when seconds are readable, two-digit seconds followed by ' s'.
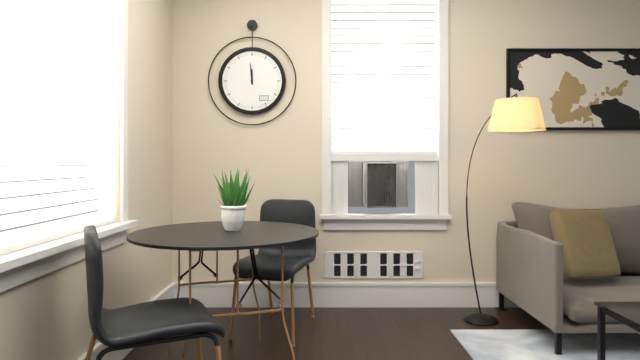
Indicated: 11 h 59 min
